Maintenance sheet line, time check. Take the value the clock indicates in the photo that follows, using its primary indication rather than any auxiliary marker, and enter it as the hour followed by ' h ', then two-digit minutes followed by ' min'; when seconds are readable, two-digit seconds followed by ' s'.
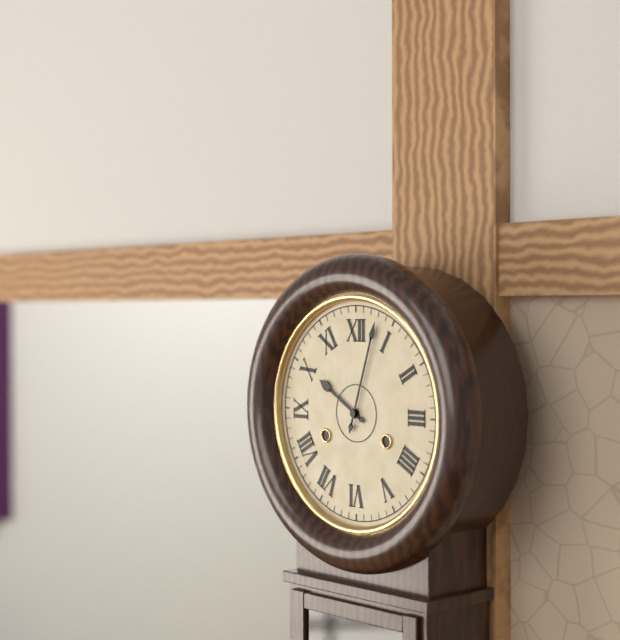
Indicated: 10 h 03 min
